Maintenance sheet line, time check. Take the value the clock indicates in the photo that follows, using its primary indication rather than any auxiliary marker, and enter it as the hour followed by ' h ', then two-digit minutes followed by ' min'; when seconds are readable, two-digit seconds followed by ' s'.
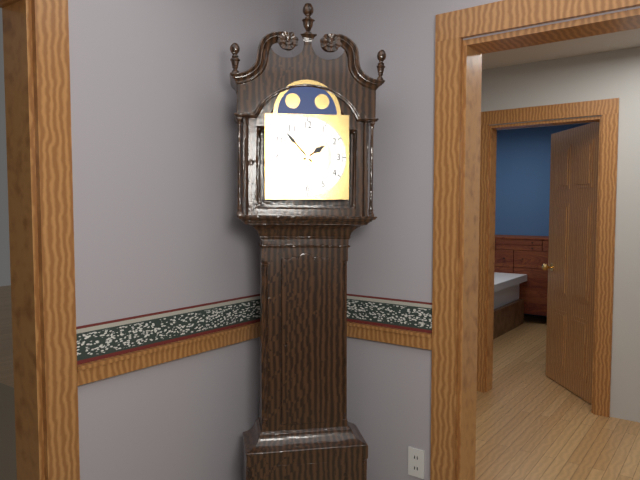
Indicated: 1 h 53 min
